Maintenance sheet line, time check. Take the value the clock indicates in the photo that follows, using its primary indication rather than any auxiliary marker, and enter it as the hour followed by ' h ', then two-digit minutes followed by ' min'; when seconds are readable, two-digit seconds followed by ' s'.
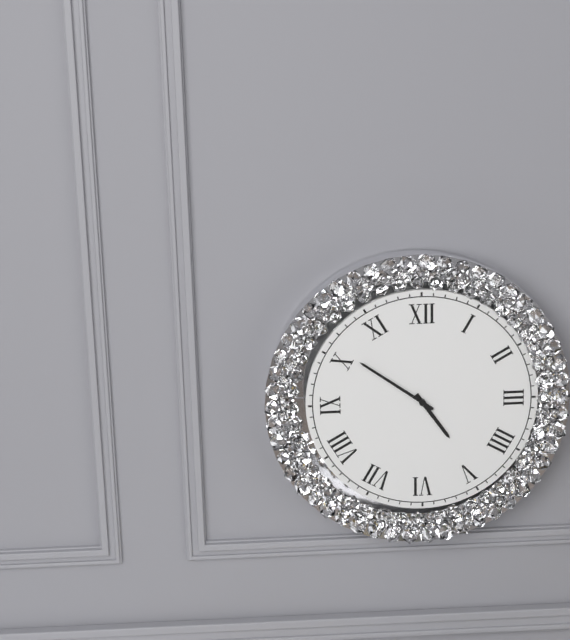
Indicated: 4 h 51 min
